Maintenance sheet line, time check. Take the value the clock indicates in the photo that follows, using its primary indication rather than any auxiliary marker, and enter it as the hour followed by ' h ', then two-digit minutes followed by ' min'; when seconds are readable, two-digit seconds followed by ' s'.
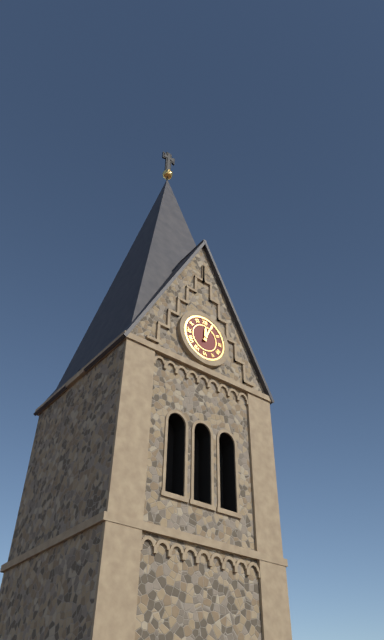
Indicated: 12 h 04 min
